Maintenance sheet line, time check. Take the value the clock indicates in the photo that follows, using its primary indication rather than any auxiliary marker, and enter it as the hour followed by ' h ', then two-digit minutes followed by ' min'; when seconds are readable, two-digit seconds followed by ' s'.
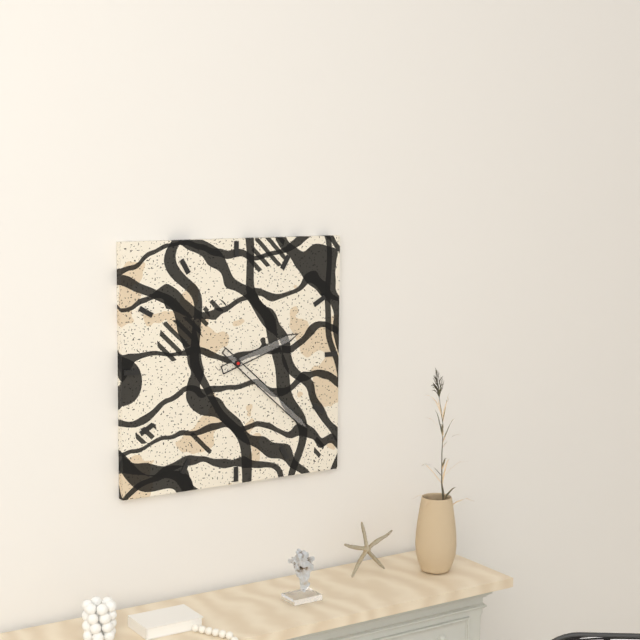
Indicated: 2 h 22 min
